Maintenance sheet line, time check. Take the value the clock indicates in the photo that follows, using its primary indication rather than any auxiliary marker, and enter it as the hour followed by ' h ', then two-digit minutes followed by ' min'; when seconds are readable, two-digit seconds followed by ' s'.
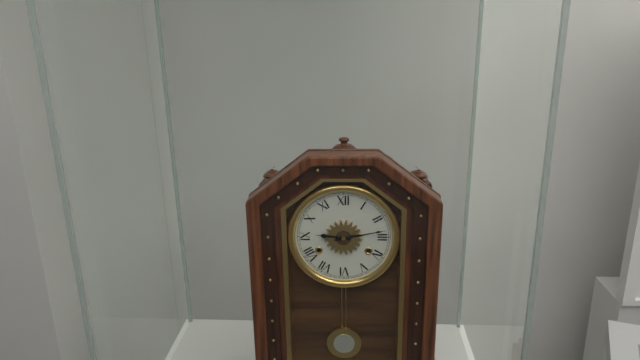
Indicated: 9 h 13 min
